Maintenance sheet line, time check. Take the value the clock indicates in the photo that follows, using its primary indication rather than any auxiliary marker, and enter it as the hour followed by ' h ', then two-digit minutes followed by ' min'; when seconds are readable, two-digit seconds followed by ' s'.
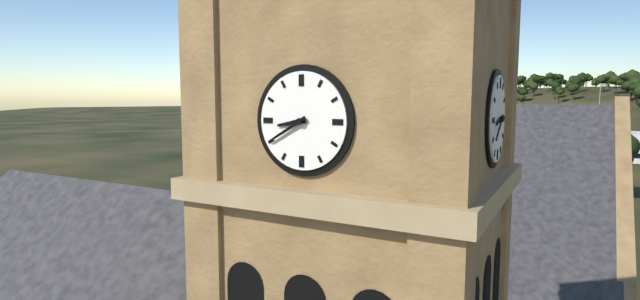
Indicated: 8 h 40 min
